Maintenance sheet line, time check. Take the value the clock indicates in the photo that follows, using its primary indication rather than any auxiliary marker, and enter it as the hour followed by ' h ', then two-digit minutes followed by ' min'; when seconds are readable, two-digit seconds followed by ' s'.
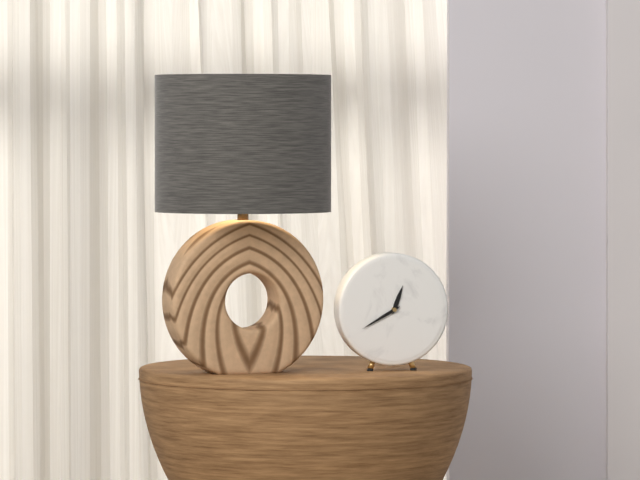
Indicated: 12 h 40 min
